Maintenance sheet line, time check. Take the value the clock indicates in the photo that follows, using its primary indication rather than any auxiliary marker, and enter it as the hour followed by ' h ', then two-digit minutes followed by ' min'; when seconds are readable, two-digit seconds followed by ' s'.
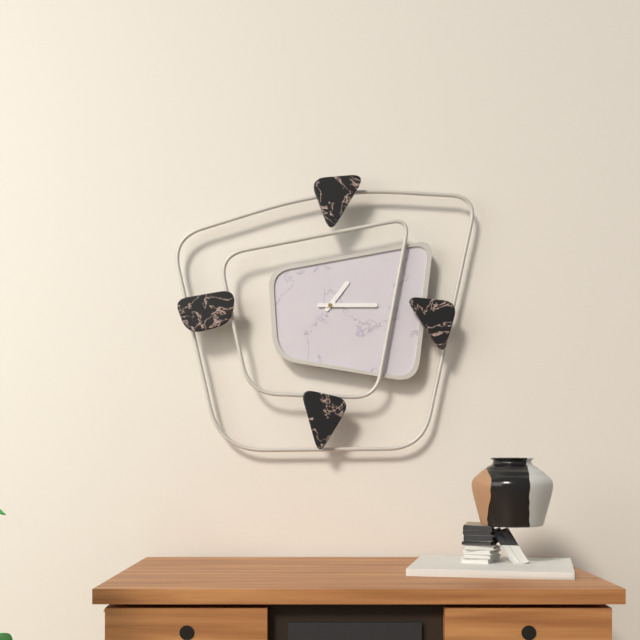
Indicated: 1 h 15 min
